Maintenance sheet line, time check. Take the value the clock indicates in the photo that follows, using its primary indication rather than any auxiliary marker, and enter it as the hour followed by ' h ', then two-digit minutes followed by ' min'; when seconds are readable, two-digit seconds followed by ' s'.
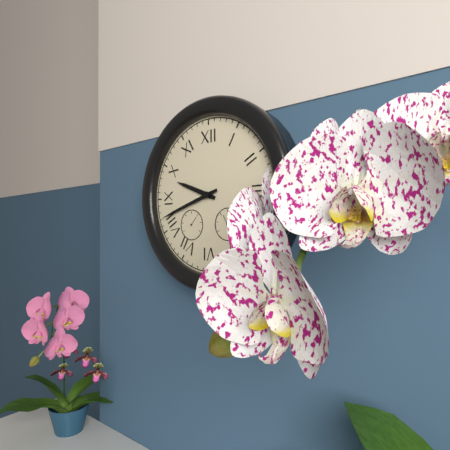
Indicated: 9 h 42 min
